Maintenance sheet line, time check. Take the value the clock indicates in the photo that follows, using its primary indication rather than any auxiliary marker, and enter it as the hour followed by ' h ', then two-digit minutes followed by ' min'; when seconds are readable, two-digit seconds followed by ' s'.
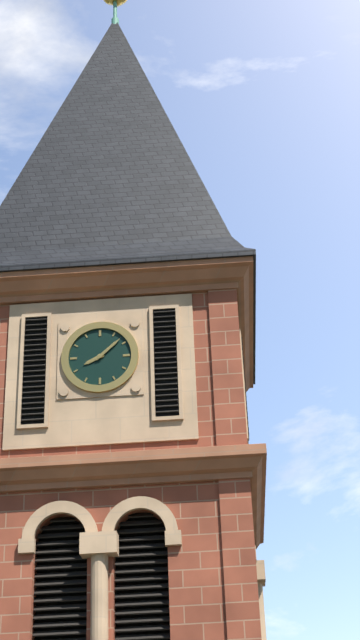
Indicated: 8 h 08 min
